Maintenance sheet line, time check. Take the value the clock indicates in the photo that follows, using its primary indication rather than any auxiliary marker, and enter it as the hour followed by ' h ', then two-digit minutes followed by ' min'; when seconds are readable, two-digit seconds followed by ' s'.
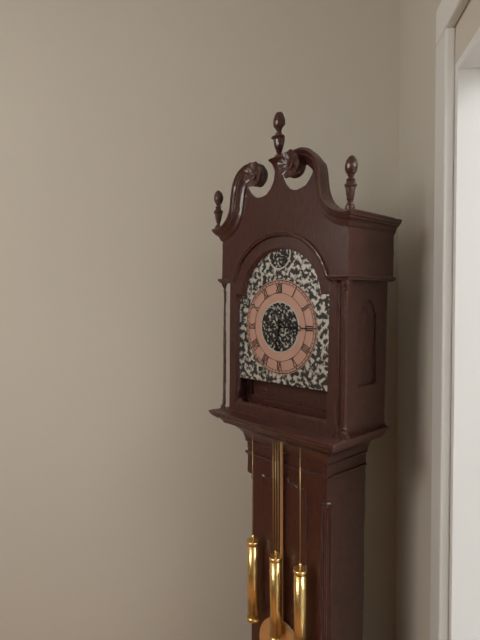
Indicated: 6 h 15 min
